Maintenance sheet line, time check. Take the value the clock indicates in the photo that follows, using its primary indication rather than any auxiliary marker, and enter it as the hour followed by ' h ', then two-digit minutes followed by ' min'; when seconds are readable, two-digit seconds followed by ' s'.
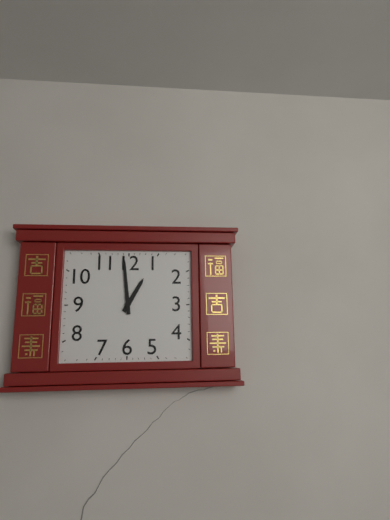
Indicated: 12 h 59 min
